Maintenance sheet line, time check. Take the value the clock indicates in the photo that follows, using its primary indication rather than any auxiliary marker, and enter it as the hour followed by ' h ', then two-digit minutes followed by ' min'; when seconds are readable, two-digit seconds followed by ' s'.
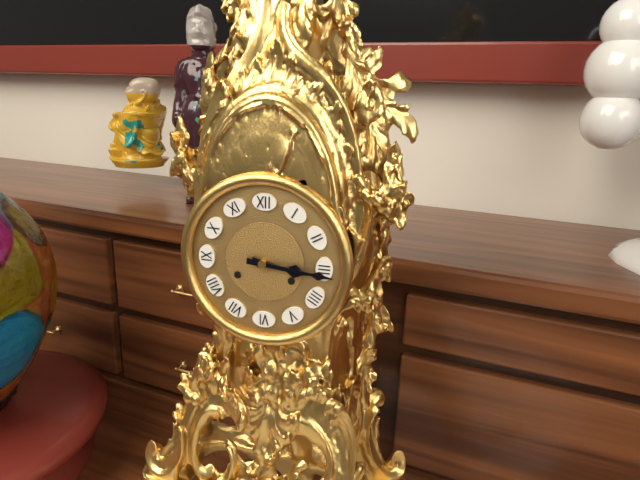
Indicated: 3 h 16 min
